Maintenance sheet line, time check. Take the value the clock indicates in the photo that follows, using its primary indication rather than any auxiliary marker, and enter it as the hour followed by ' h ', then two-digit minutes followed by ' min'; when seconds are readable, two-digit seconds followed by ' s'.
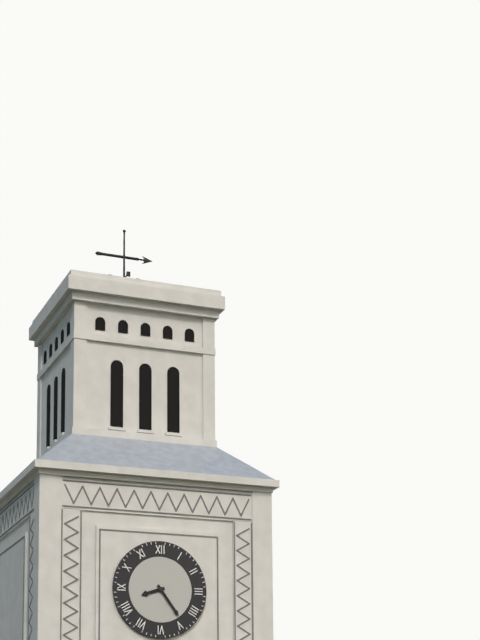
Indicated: 8 h 24 min
